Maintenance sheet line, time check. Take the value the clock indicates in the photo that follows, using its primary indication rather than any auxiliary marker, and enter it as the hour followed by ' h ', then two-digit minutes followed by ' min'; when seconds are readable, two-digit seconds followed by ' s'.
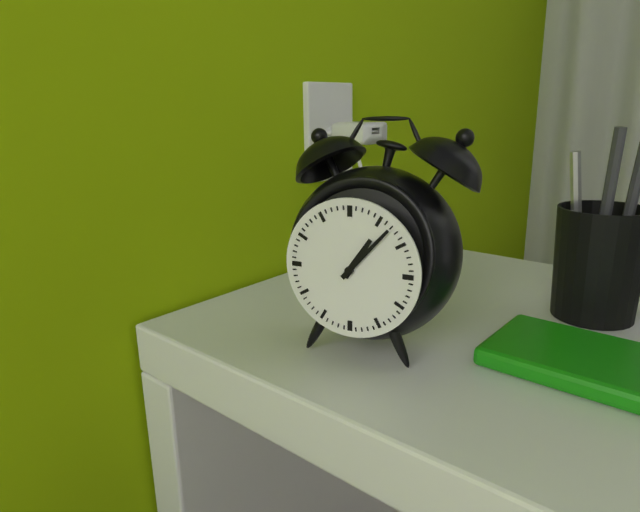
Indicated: 1 h 07 min
